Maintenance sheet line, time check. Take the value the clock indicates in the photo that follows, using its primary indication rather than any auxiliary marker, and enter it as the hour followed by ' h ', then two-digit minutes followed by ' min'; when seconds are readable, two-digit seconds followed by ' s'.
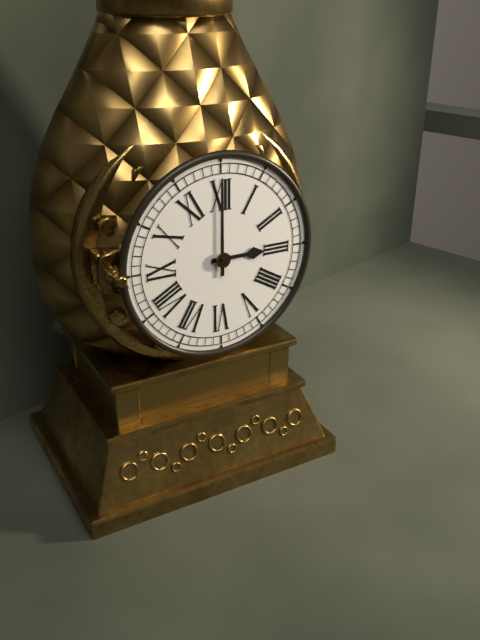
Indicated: 3 h 00 min
